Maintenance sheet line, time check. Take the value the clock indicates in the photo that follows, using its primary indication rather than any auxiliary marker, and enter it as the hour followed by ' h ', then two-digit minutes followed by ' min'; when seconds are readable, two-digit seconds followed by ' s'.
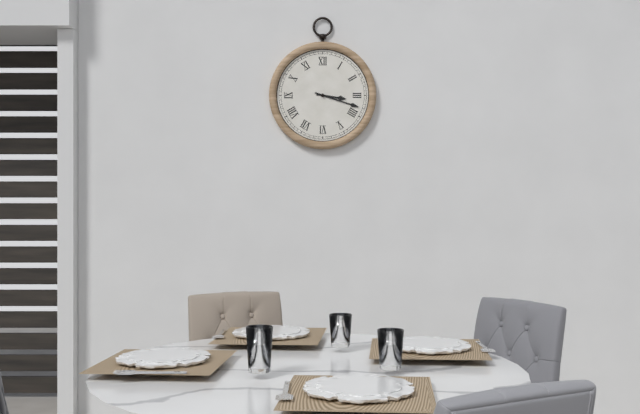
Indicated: 3 h 18 min
